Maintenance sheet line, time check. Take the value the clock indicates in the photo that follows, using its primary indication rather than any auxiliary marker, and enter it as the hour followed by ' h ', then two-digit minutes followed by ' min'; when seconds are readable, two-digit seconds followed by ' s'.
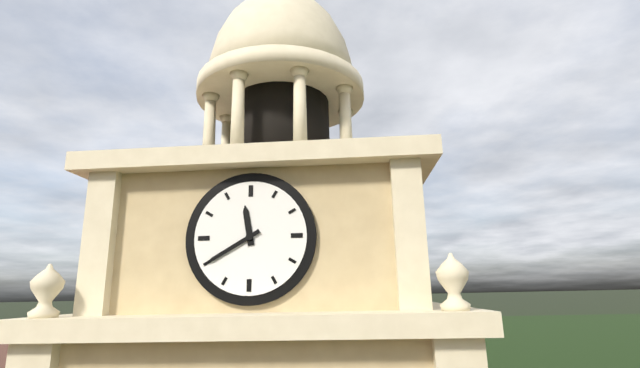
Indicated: 11 h 40 min
